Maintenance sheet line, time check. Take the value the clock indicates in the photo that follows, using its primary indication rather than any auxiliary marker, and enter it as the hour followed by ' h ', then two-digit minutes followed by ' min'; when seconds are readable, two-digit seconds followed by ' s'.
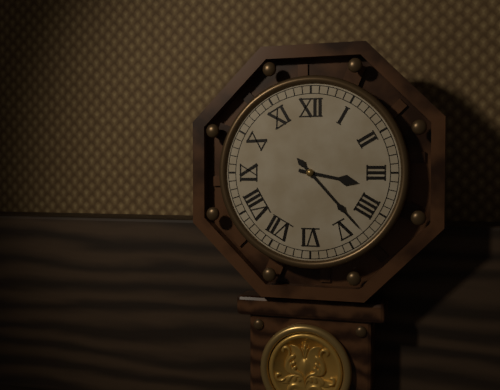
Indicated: 3 h 23 min
